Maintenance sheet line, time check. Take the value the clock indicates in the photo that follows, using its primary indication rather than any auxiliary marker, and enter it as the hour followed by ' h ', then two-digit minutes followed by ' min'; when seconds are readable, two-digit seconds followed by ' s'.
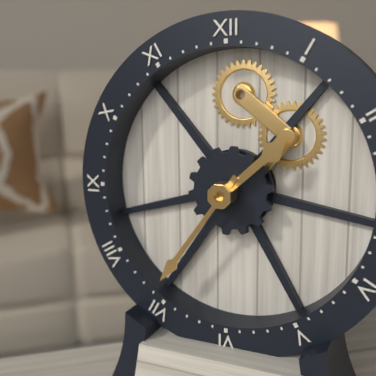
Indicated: 1 h 36 min
